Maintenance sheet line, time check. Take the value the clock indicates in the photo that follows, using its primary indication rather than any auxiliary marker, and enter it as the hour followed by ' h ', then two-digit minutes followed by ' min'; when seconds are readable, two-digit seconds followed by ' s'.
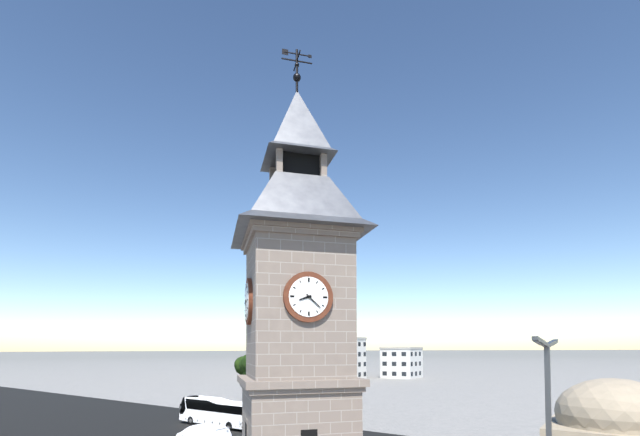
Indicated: 8 h 22 min
